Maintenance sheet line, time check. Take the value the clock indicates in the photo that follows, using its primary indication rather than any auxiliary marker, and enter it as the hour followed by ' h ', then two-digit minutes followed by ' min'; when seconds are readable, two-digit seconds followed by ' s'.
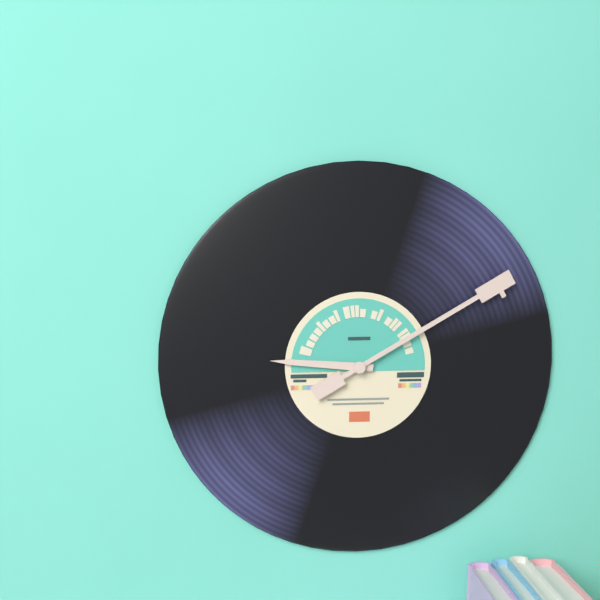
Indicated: 9 h 10 min
